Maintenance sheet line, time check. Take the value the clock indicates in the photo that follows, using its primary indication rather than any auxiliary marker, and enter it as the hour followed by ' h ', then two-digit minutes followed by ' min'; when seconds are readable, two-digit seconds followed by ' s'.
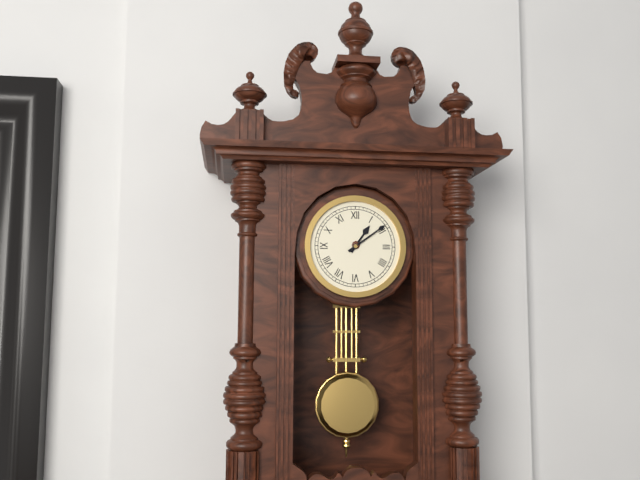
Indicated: 1 h 09 min
